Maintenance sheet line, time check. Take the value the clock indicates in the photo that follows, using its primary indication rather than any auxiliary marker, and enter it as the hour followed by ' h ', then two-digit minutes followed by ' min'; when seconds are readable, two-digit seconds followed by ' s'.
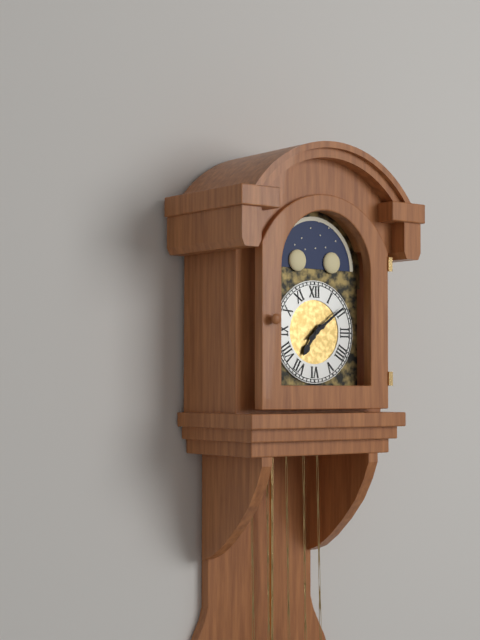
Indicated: 7 h 09 min
